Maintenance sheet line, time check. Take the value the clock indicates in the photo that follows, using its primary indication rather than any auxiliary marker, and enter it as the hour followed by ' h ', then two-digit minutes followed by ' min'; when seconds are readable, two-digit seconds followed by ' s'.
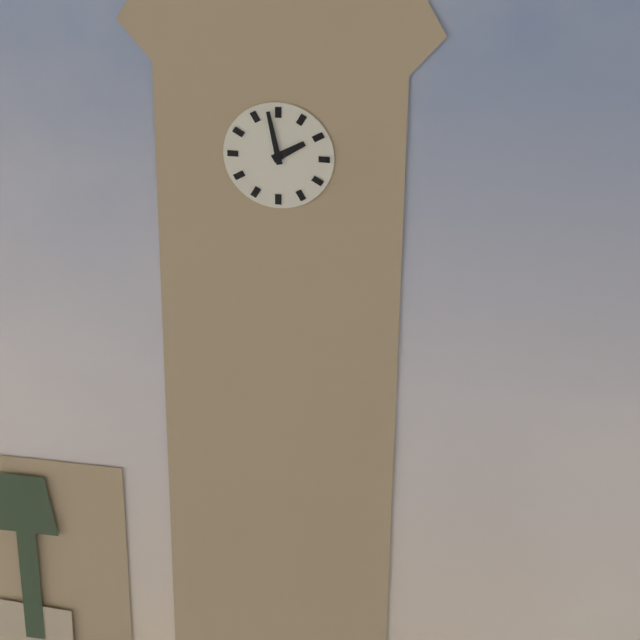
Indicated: 1 h 58 min
